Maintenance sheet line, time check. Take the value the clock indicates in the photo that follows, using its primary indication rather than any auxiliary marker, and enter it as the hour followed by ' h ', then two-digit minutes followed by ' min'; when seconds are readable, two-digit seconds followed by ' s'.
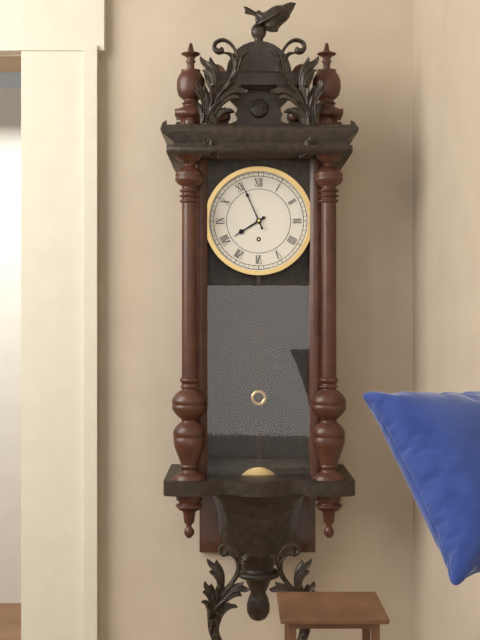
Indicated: 7 h 56 min
